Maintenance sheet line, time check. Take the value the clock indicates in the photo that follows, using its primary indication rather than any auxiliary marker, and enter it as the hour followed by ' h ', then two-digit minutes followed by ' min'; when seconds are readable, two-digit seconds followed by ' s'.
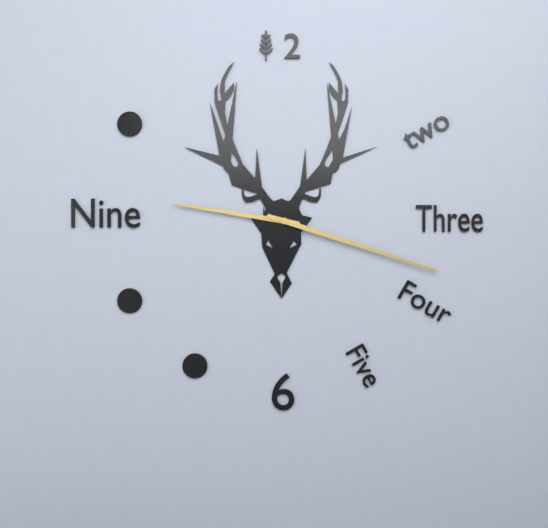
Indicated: 9 h 18 min
